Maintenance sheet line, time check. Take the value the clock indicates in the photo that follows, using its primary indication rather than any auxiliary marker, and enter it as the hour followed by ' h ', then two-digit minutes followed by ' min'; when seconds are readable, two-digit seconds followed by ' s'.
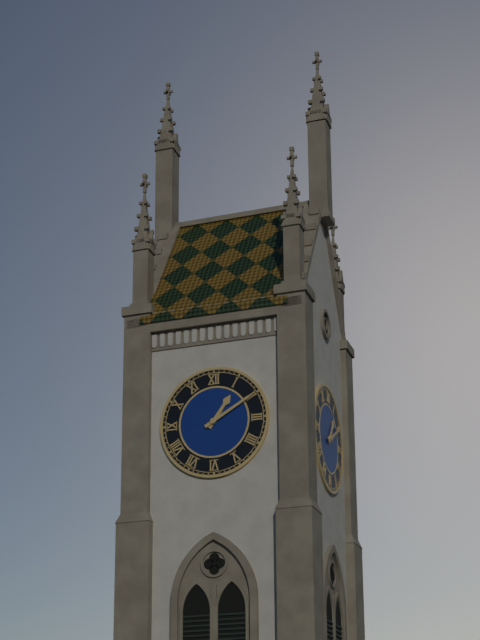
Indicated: 1 h 10 min
